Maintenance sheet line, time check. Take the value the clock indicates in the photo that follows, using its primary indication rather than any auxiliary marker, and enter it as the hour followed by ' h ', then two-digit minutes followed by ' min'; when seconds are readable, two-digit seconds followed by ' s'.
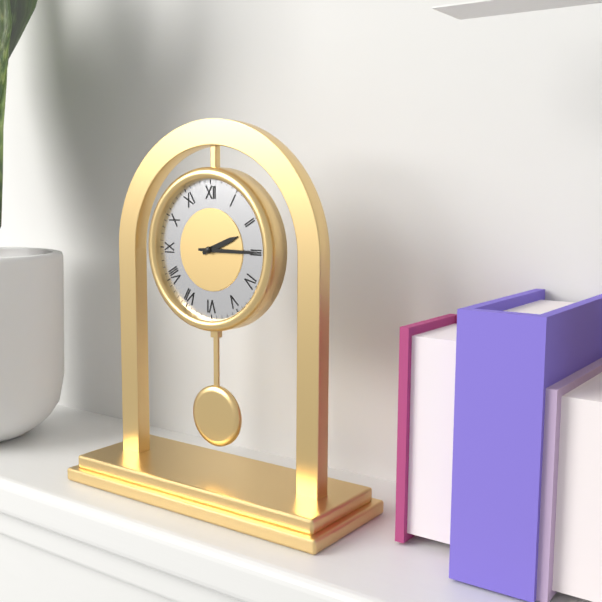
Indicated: 2 h 15 min
